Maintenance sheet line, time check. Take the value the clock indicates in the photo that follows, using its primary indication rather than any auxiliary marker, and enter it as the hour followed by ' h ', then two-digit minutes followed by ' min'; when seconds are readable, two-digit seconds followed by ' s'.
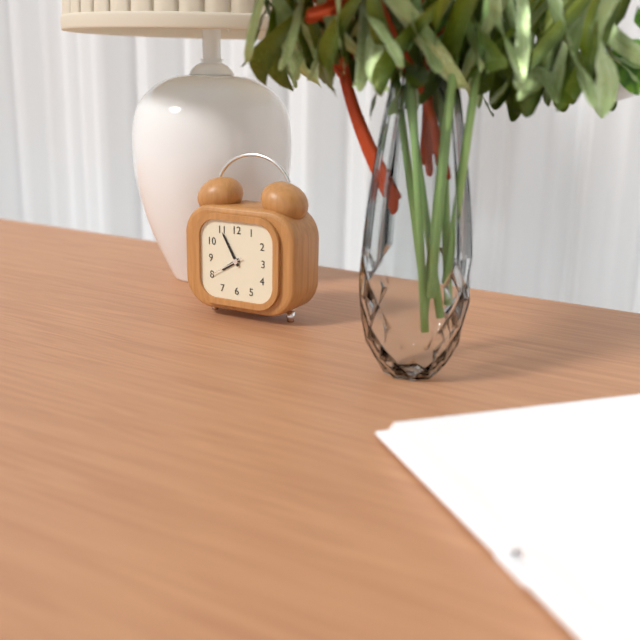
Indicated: 7 h 55 min
